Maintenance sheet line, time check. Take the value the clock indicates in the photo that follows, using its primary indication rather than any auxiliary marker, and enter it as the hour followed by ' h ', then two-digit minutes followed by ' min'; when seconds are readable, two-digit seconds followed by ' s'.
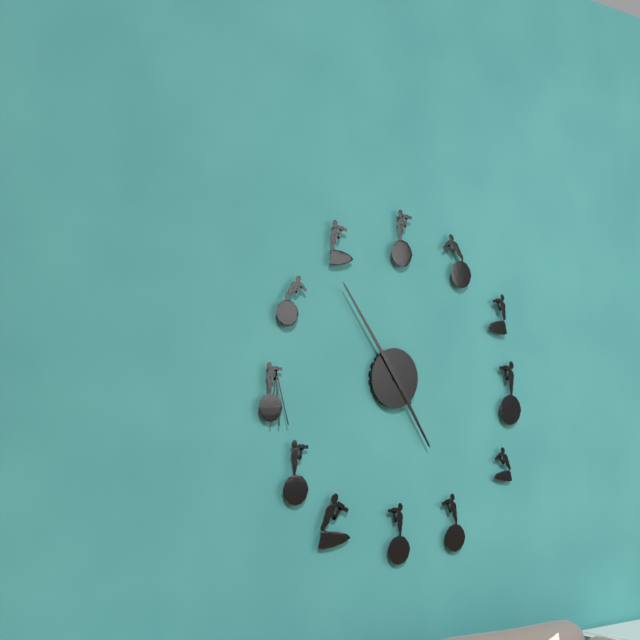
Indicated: 4 h 54 min
